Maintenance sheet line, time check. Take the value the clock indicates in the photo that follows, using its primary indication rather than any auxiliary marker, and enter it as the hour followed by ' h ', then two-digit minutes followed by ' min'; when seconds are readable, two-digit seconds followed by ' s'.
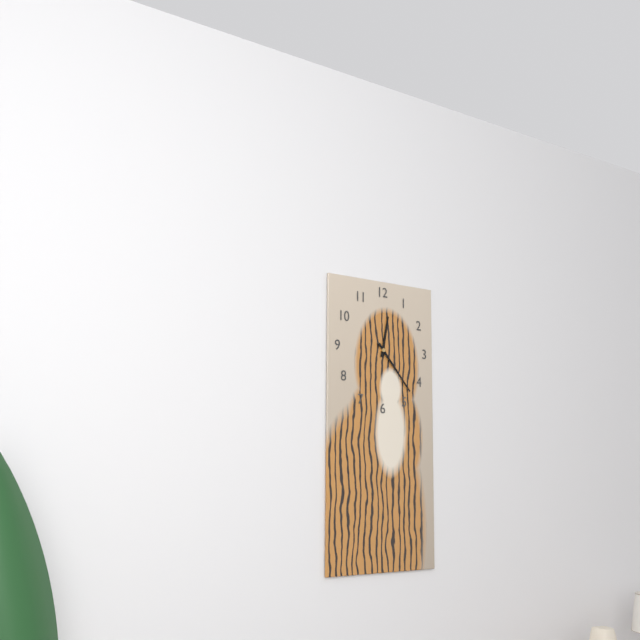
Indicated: 12 h 23 min
